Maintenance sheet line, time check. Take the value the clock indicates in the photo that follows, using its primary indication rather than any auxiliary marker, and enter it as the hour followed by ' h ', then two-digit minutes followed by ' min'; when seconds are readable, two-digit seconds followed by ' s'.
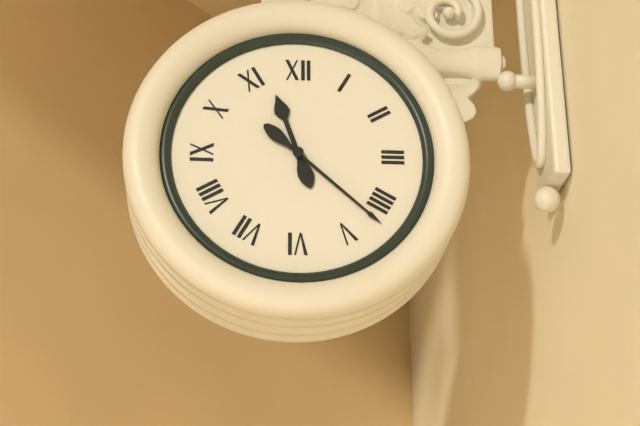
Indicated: 11 h 22 min
